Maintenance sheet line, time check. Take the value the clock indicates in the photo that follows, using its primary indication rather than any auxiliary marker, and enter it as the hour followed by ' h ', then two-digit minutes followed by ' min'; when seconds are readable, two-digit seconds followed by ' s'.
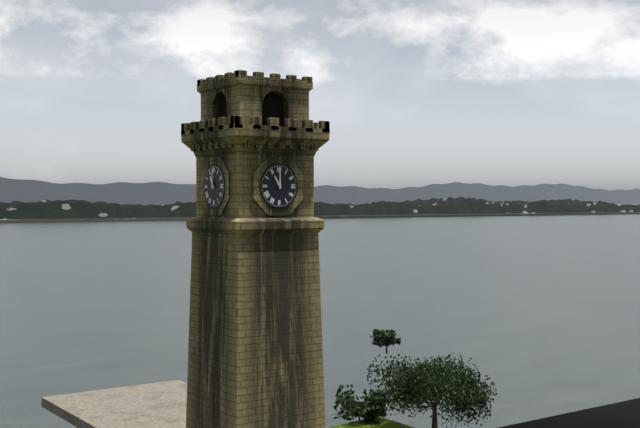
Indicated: 11 h 00 min
